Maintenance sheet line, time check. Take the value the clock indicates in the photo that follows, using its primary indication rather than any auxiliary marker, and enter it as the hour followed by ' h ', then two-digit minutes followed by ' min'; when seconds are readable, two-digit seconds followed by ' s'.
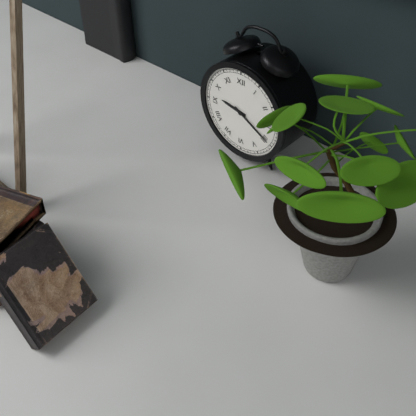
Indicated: 9 h 20 min
